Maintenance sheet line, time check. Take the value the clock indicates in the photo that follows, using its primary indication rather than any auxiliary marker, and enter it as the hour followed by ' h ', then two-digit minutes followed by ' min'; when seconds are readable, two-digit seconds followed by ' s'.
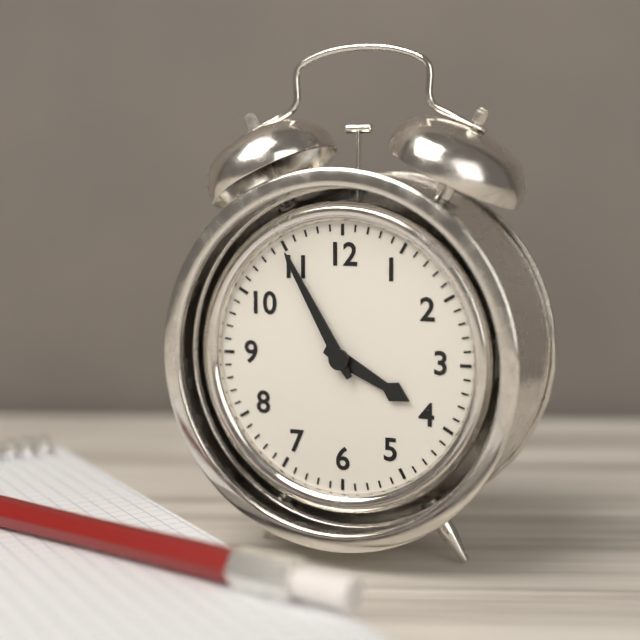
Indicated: 3 h 55 min
